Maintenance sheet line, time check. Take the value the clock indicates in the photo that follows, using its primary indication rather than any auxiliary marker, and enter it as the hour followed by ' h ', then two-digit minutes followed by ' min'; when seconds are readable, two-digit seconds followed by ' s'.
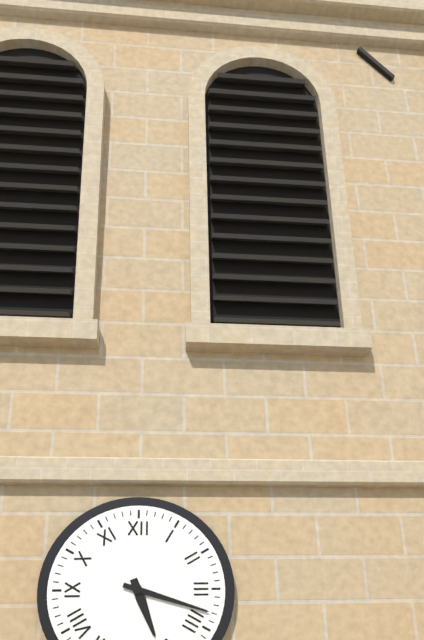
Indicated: 5 h 18 min
